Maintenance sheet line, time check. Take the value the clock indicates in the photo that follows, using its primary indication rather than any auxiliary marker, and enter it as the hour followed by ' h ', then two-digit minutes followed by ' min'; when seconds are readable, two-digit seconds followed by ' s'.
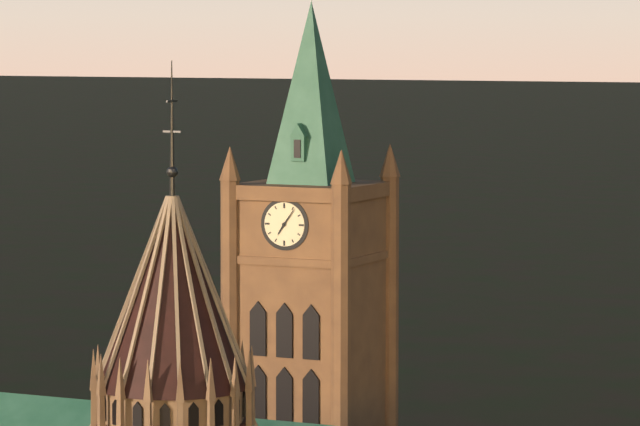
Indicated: 7 h 06 min
